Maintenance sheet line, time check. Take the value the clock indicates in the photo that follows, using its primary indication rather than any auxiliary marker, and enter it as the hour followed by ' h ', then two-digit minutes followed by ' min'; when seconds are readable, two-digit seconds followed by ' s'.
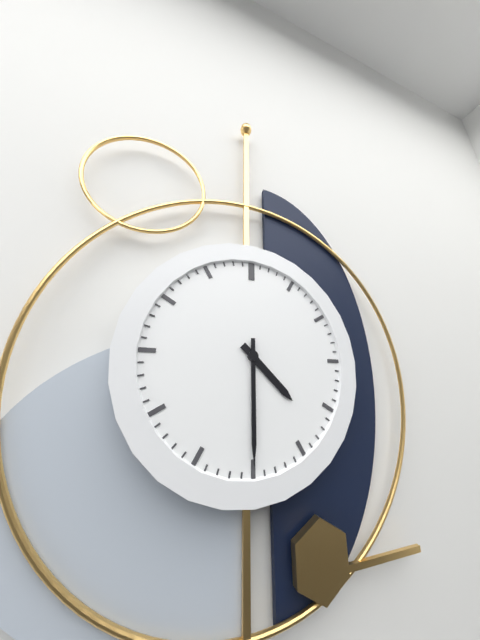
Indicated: 4 h 30 min
